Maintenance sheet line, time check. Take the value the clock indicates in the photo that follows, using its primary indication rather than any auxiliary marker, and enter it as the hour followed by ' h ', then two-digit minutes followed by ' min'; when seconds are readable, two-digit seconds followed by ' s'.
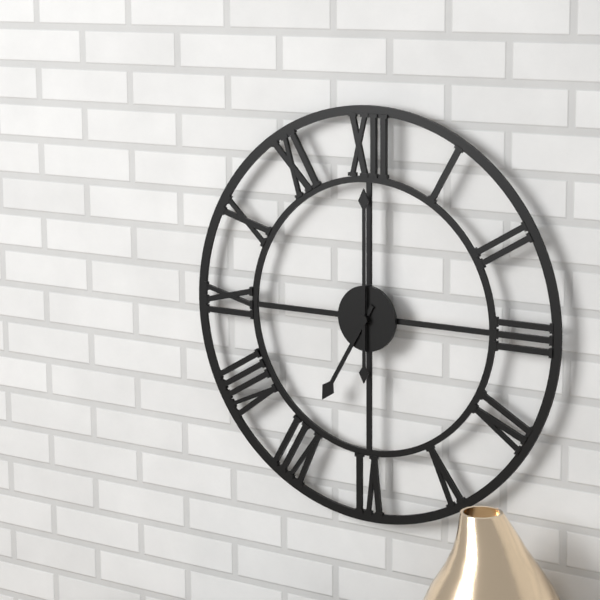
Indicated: 7 h 00 min
